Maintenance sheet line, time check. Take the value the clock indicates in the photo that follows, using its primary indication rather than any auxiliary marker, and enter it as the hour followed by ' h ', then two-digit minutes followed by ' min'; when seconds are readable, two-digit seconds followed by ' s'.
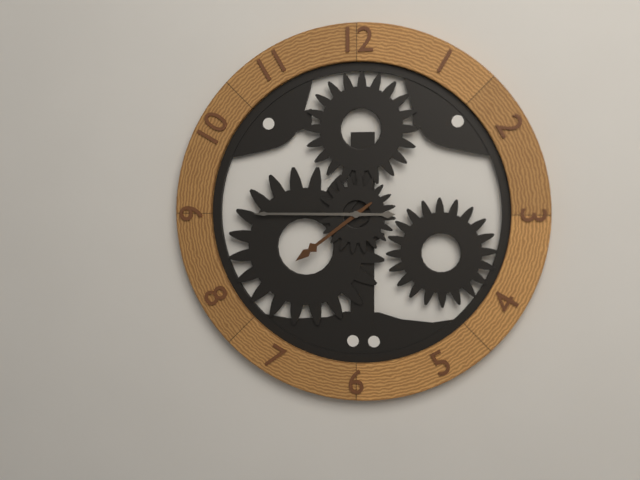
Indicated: 7 h 45 min
